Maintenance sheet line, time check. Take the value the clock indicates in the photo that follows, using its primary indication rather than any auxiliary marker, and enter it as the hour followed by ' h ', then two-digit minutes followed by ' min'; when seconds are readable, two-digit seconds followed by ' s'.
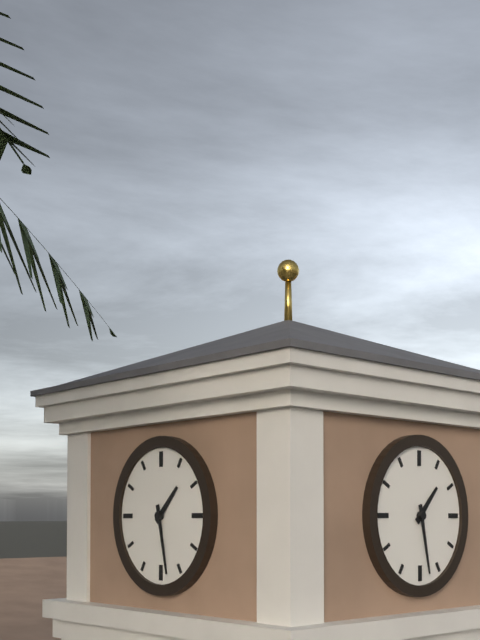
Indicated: 1 h 28 min
